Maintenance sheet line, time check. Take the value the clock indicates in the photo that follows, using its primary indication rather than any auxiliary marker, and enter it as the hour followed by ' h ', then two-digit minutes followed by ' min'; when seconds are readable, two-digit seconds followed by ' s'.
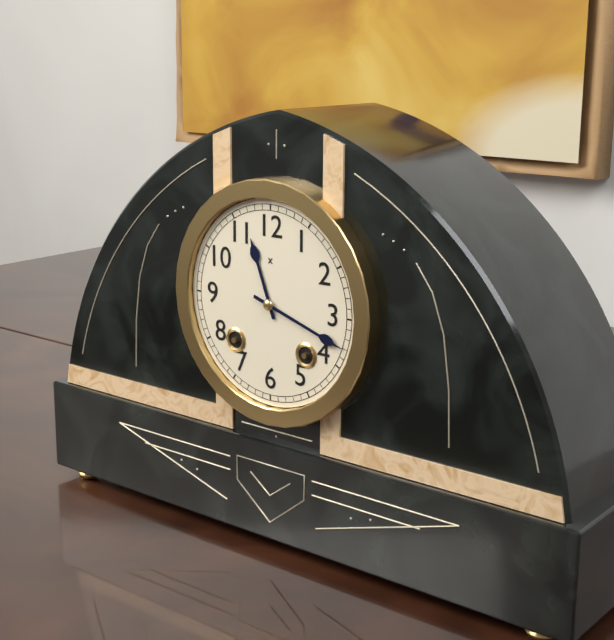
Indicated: 11 h 18 min
